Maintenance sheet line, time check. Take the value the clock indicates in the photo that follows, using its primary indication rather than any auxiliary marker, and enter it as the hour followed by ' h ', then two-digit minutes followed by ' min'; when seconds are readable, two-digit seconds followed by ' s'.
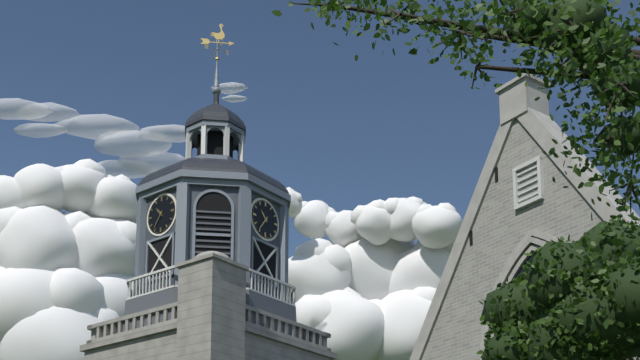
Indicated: 10 h 36 min
